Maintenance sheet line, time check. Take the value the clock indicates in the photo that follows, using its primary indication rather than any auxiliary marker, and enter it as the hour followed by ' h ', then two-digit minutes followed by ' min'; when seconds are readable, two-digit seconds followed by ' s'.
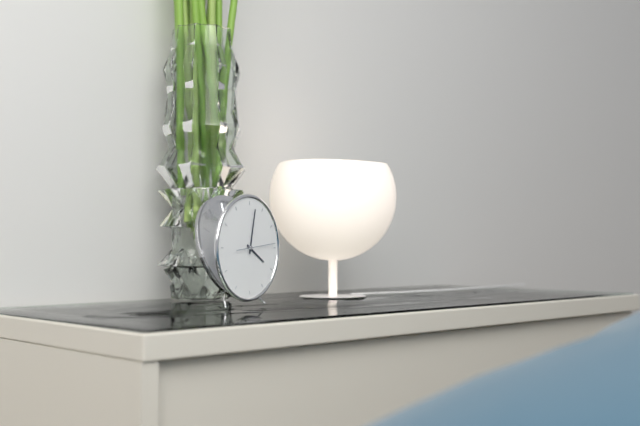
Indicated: 4 h 02 min
